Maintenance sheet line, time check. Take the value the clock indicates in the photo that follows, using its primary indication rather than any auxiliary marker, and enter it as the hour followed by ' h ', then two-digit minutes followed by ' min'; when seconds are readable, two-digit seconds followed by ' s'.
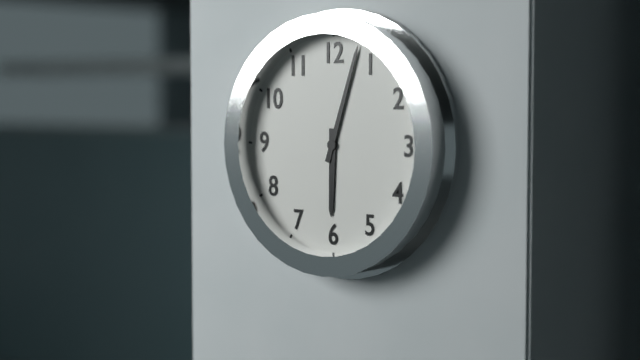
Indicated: 6 h 03 min
